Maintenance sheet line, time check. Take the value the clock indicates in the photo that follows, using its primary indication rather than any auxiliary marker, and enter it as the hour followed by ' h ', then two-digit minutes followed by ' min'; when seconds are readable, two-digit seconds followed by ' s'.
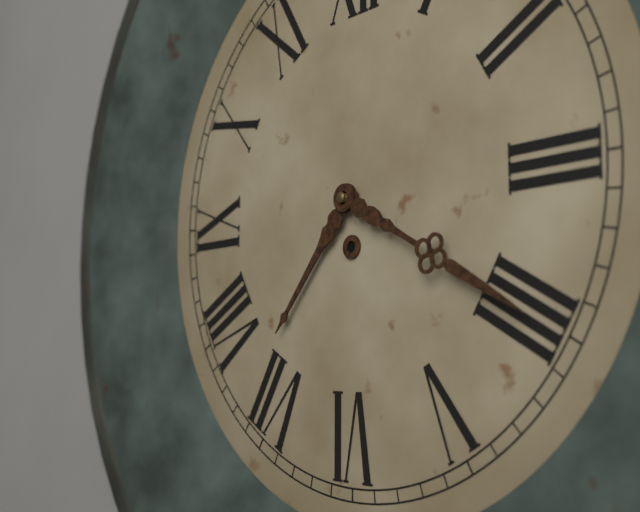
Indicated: 7 h 20 min
